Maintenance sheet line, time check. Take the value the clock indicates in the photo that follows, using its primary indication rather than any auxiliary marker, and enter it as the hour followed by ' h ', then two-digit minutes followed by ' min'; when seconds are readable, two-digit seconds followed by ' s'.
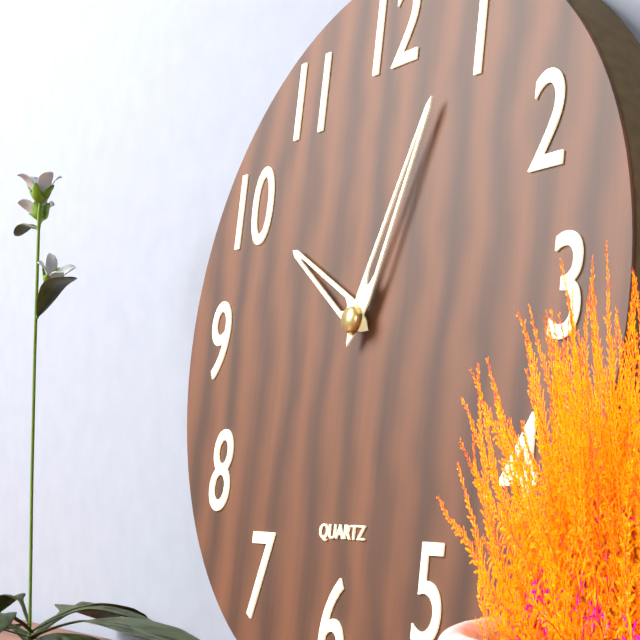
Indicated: 10 h 04 min
